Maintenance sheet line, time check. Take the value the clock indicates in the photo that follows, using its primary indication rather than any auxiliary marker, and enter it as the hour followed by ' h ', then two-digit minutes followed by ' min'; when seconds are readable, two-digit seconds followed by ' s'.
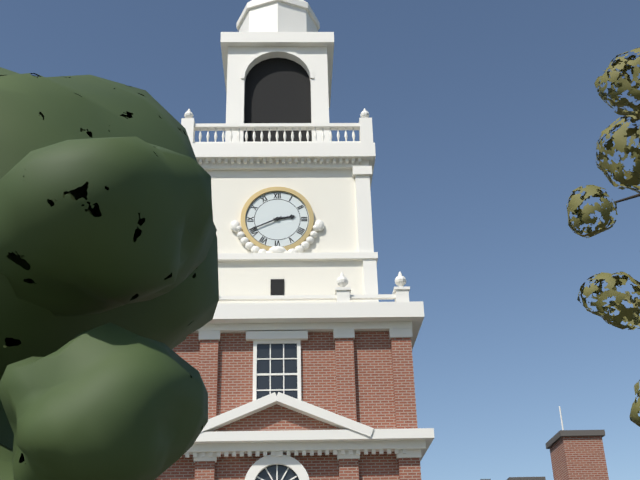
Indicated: 2 h 41 min
